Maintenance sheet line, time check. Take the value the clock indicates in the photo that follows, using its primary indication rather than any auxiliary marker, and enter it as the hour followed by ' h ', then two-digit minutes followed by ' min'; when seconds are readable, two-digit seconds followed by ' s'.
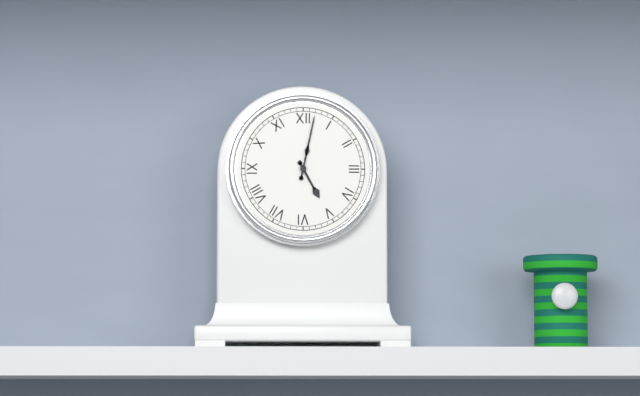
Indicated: 5 h 02 min
